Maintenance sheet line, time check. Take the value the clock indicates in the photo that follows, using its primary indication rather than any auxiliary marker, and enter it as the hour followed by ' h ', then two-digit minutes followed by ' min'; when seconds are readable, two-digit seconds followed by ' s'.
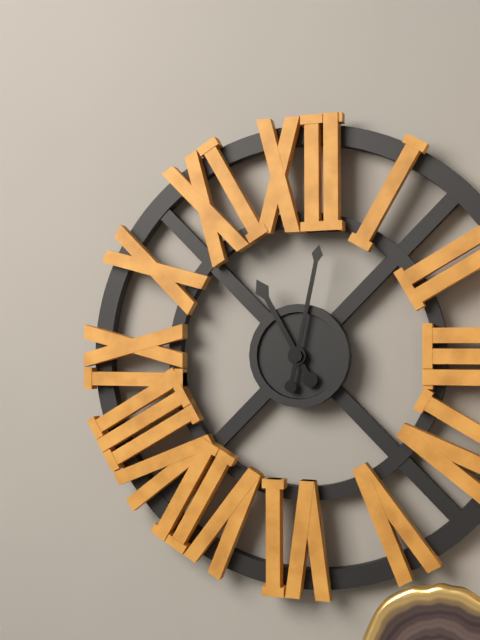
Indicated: 11 h 02 min
